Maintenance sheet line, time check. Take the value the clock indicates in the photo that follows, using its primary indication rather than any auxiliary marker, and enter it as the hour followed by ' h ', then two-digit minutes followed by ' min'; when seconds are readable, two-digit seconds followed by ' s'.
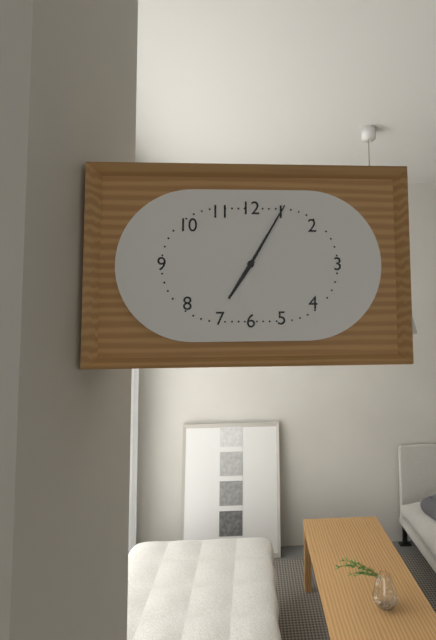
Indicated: 7 h 05 min
